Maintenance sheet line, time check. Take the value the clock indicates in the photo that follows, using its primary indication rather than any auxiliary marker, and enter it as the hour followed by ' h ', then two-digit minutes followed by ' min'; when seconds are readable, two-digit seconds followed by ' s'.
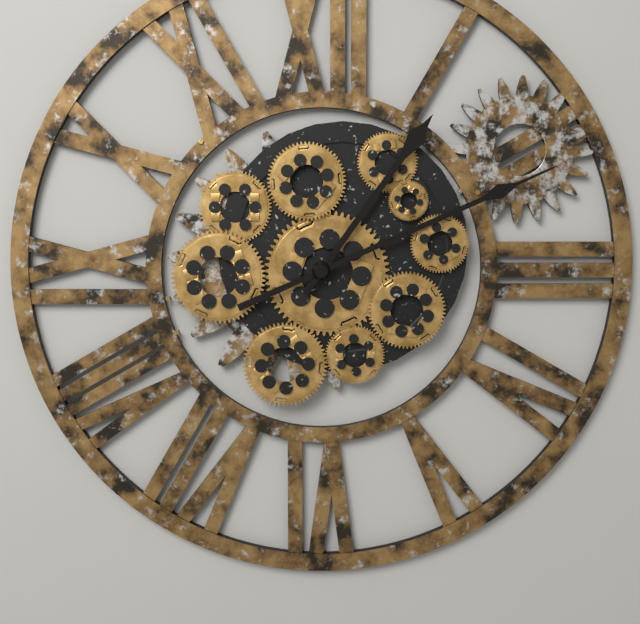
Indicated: 1 h 11 min
